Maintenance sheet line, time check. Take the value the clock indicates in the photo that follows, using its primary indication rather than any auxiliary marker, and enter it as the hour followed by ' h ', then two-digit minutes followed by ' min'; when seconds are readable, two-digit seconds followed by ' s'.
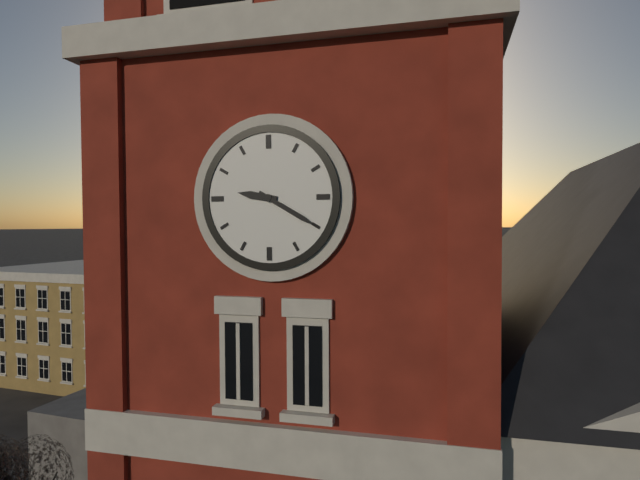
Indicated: 9 h 20 min
